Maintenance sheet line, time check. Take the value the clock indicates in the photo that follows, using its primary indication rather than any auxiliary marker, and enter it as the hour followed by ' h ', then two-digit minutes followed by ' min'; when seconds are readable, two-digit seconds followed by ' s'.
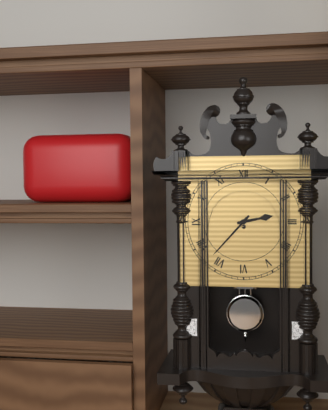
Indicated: 2 h 37 min
